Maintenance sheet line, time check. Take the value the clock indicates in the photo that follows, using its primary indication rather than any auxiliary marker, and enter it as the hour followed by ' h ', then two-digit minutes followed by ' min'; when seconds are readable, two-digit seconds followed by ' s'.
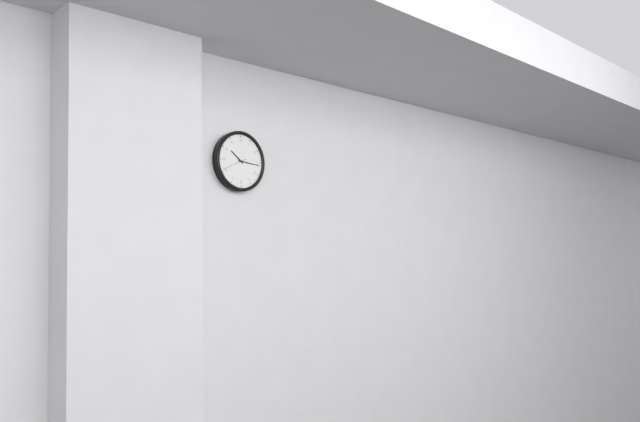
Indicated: 10 h 16 min
